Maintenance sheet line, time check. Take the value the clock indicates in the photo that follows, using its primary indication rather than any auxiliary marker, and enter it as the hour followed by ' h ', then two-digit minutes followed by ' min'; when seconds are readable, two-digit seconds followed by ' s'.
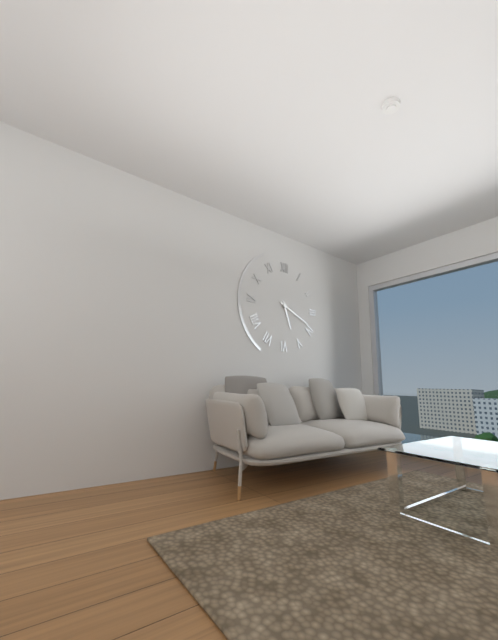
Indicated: 5 h 19 min
